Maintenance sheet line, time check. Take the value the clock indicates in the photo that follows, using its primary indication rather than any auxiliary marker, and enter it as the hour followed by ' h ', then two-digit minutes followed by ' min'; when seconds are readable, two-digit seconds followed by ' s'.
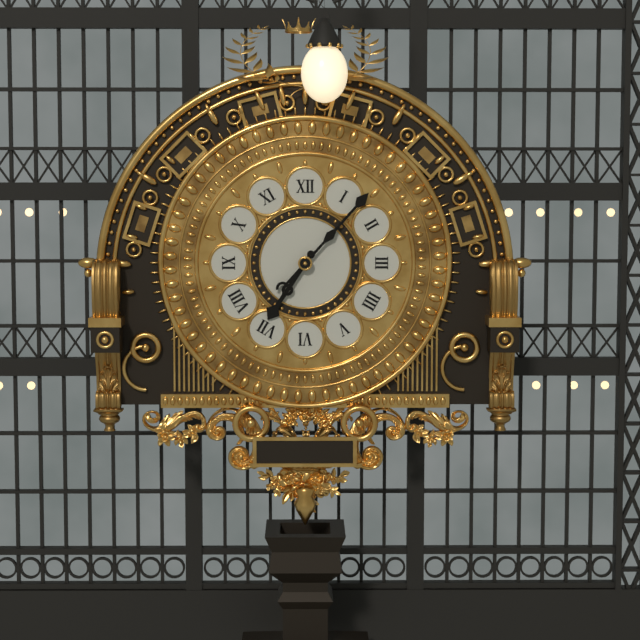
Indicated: 7 h 07 min
